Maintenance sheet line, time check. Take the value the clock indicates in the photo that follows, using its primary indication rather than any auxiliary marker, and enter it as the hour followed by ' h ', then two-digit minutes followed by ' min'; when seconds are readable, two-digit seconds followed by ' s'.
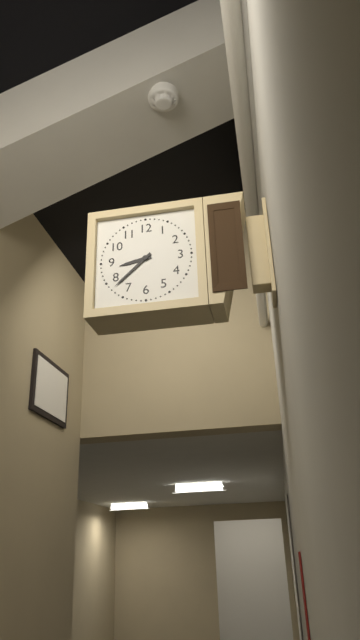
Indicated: 8 h 38 min
